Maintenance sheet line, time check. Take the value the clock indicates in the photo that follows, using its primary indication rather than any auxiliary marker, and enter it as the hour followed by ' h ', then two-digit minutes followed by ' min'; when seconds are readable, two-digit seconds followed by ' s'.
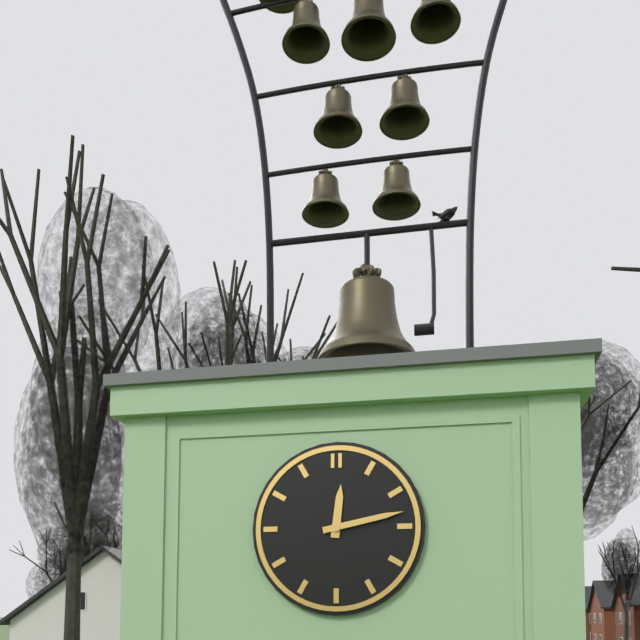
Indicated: 12 h 13 min
